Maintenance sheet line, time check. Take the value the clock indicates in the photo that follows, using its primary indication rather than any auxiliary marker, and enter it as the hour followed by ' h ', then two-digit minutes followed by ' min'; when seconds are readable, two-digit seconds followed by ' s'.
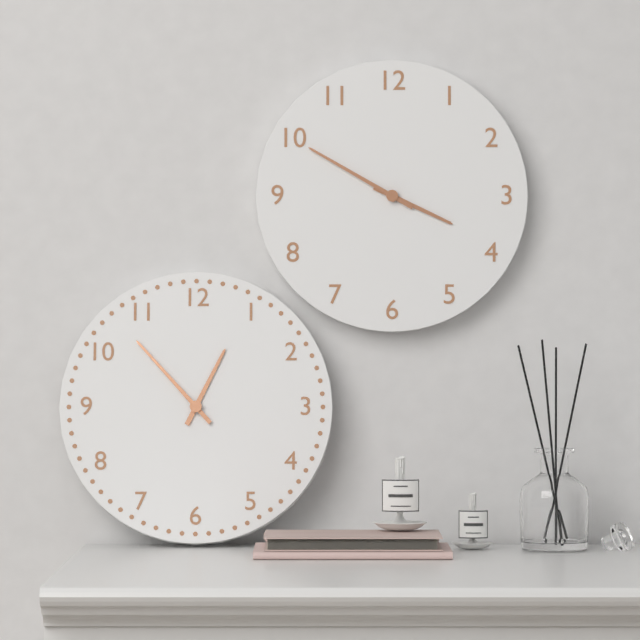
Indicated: 3 h 50 min
